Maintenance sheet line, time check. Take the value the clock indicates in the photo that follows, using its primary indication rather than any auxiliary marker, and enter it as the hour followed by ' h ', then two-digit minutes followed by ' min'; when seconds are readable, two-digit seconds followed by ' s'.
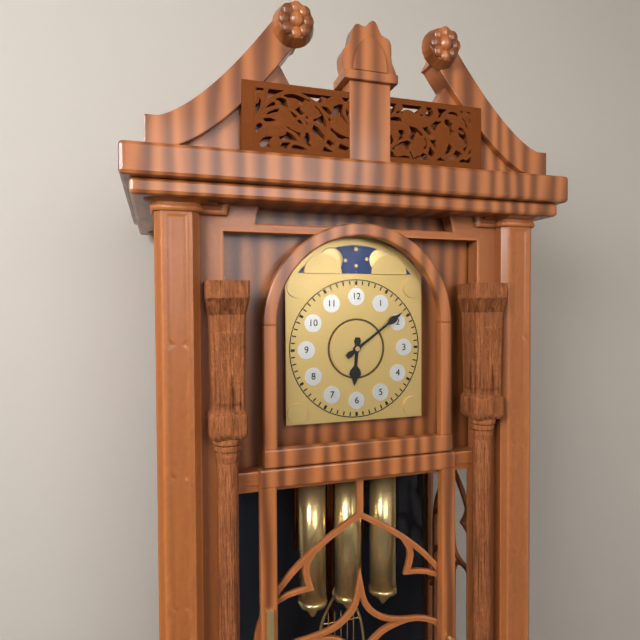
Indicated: 6 h 09 min
